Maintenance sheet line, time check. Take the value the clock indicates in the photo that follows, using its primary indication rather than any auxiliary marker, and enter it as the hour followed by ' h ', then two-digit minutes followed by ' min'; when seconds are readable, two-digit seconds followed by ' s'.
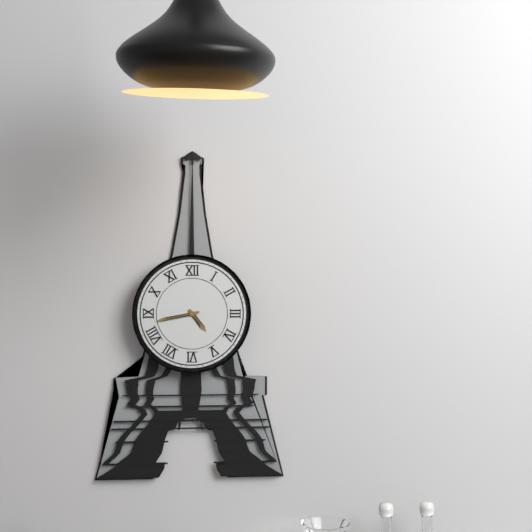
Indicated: 4 h 43 min
